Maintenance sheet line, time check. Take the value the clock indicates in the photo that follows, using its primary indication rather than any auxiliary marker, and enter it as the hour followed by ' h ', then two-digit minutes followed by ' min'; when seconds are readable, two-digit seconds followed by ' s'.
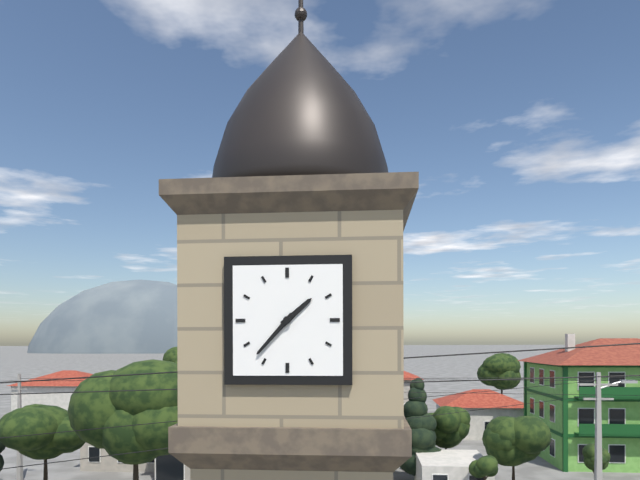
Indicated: 1 h 37 min
